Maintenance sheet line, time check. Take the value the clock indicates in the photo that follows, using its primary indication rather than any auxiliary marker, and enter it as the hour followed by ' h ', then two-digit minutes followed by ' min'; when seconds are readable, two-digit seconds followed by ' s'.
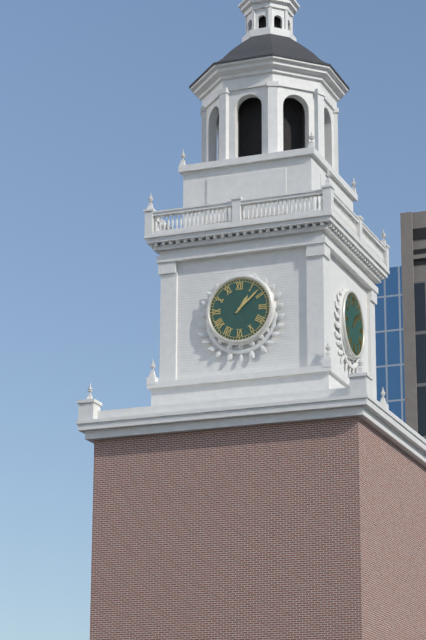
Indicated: 1 h 08 min
